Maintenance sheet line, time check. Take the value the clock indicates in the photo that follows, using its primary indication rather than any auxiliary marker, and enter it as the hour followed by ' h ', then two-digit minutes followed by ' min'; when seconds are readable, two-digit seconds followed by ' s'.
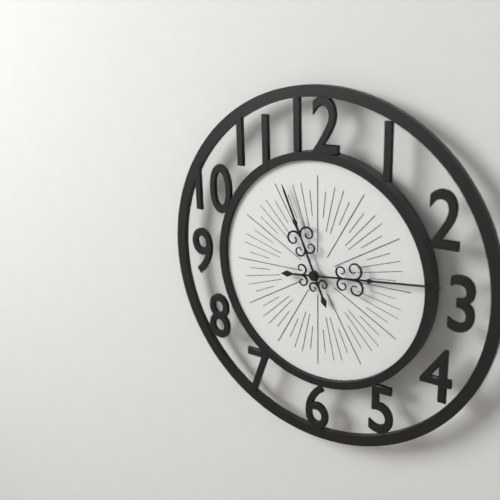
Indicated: 11 h 14 min
